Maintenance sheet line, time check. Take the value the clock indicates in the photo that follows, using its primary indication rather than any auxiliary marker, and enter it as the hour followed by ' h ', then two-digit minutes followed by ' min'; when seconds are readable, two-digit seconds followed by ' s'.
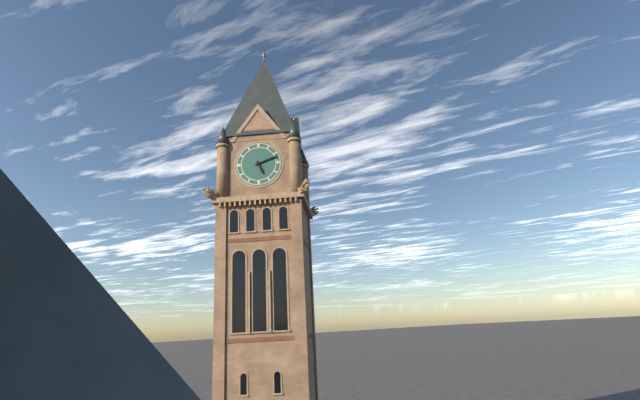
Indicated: 5 h 12 min
